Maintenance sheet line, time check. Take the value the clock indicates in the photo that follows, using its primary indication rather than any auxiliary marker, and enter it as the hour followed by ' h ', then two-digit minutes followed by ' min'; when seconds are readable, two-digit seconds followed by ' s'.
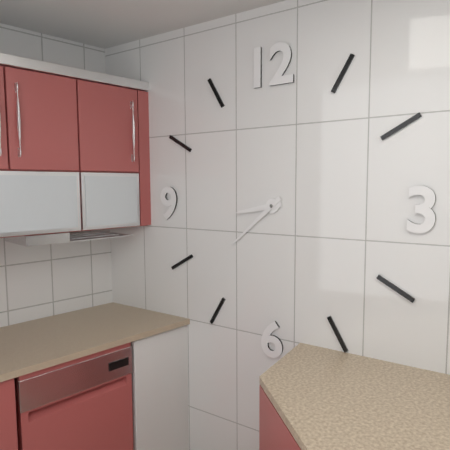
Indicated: 8 h 38 min
